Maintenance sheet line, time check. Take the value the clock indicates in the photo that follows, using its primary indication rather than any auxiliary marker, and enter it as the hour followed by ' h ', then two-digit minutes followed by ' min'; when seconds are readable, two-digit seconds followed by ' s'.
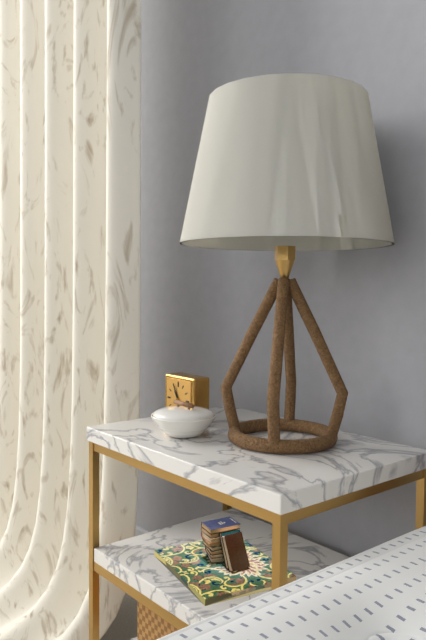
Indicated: 10 h 56 min
